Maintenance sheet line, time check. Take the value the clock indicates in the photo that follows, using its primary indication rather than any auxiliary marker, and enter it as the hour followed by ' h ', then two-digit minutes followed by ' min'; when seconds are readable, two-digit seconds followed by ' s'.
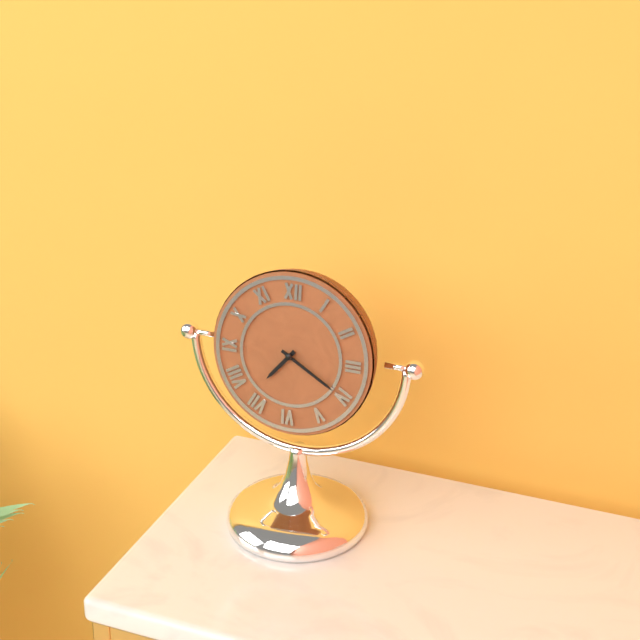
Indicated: 7 h 20 min
